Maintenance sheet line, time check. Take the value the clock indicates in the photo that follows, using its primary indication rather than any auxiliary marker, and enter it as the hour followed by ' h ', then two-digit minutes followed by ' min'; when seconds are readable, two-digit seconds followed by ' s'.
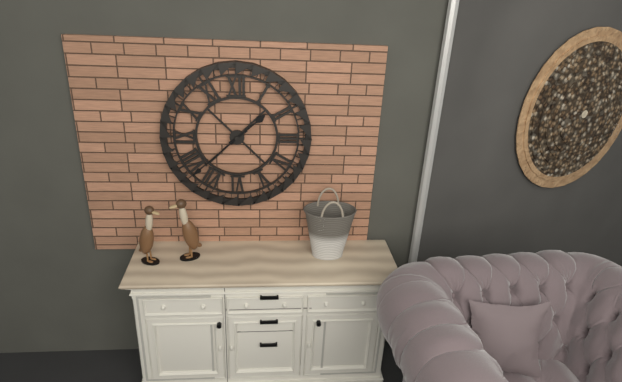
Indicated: 1 h 38 min
